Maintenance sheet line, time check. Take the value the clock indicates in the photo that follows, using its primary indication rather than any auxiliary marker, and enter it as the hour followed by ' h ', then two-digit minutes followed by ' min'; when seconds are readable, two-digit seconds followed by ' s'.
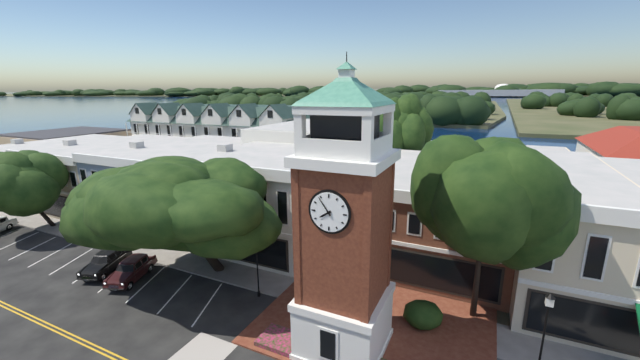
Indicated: 7 h 54 min
